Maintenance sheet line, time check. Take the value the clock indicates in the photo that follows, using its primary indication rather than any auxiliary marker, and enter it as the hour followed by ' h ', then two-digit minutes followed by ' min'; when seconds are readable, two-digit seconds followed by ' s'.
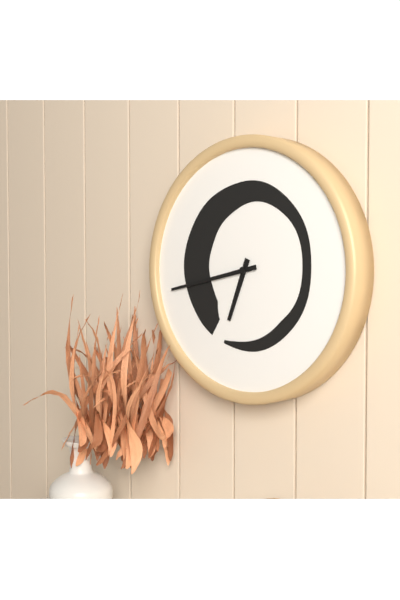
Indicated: 6 h 43 min
